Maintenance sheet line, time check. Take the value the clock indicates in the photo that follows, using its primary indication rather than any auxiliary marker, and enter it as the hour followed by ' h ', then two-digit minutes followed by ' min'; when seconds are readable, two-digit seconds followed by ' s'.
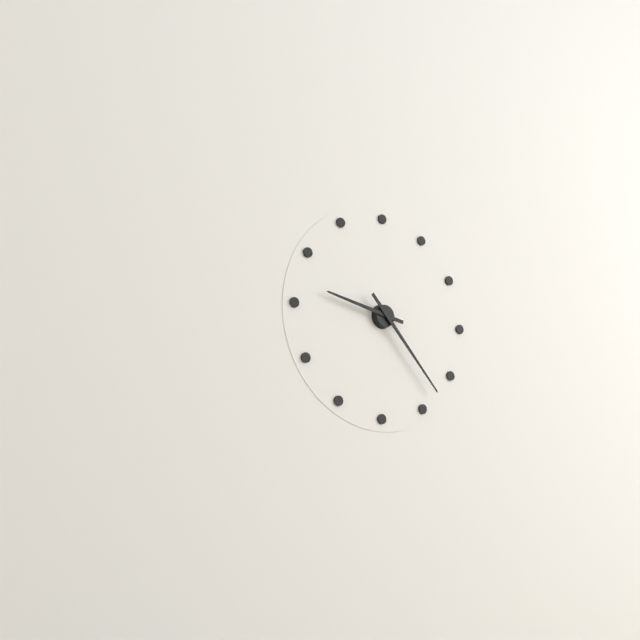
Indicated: 9 h 23 min
